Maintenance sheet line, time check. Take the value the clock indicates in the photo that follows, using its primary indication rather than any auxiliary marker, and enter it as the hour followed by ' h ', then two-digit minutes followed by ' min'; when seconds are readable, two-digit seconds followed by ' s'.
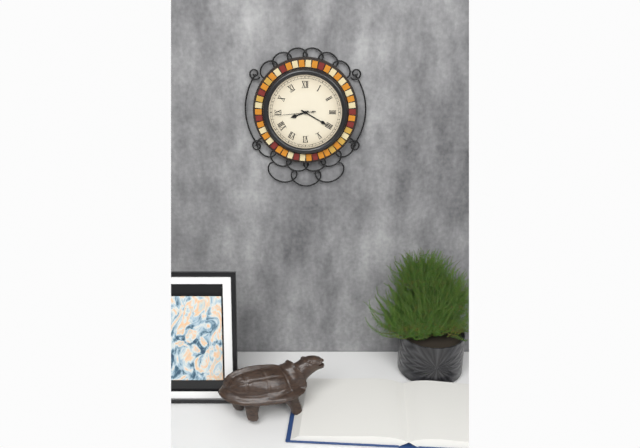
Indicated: 8 h 20 min
